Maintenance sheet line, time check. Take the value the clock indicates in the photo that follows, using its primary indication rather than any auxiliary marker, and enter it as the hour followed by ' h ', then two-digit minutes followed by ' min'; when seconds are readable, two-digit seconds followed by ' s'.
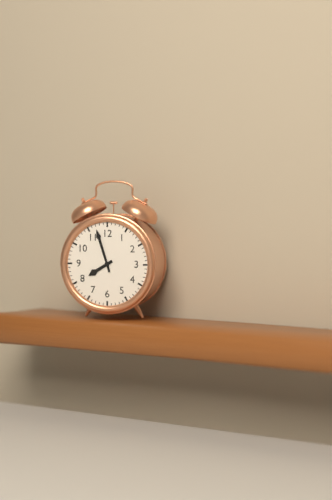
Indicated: 7 h 57 min
